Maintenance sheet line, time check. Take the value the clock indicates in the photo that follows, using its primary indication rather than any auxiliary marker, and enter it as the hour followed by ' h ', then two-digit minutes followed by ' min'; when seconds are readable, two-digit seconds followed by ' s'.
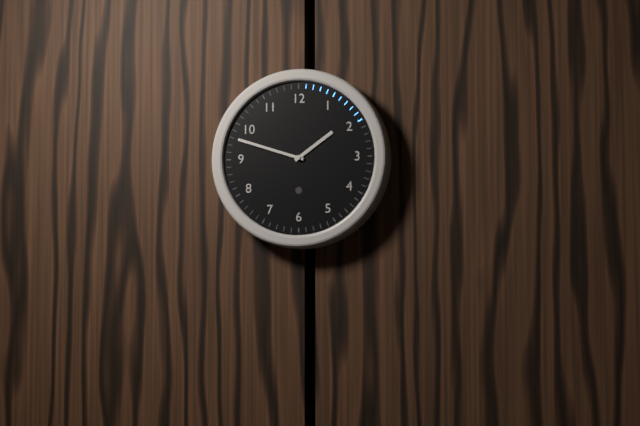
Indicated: 1 h 48 min
